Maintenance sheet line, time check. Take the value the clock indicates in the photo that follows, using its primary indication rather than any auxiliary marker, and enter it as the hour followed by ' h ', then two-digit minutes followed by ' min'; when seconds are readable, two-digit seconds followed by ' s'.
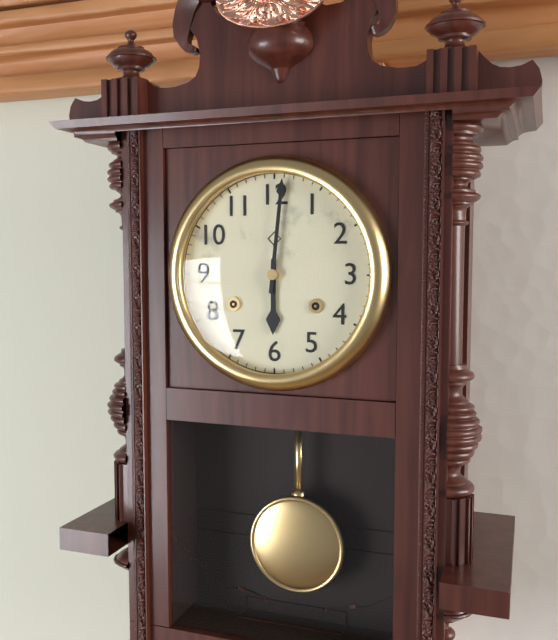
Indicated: 6 h 01 min
